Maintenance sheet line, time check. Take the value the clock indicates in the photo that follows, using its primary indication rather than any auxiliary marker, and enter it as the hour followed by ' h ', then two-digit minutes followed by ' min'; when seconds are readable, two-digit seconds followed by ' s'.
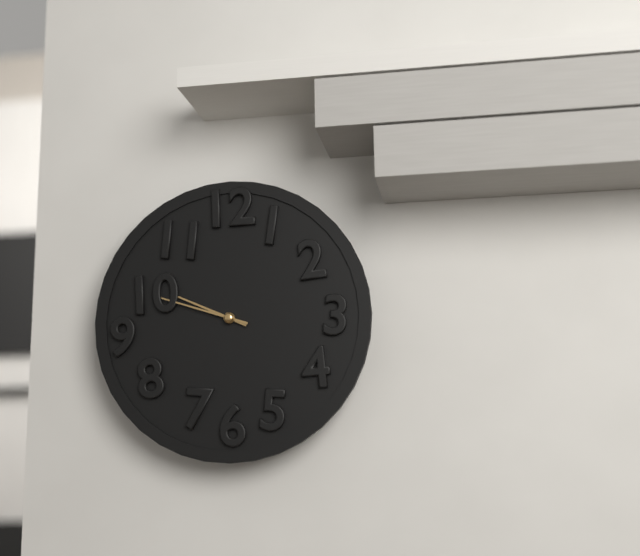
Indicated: 9 h 48 min
